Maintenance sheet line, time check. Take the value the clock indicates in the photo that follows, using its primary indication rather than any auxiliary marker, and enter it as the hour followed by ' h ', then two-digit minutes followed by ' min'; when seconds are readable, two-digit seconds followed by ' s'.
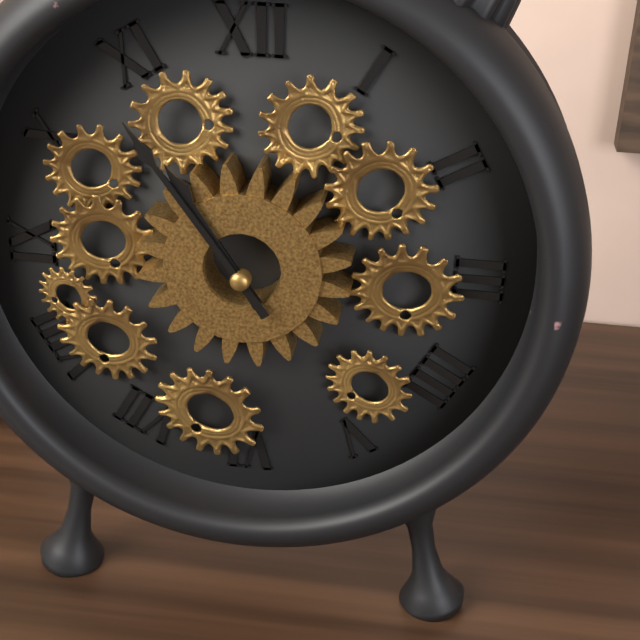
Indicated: 10 h 54 min
